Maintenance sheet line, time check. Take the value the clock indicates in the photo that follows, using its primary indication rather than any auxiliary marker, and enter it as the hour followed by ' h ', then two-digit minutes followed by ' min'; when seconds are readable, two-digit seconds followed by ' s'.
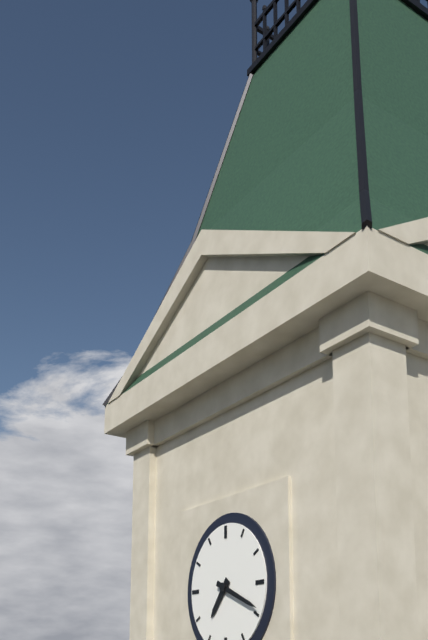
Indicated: 7 h 19 min
